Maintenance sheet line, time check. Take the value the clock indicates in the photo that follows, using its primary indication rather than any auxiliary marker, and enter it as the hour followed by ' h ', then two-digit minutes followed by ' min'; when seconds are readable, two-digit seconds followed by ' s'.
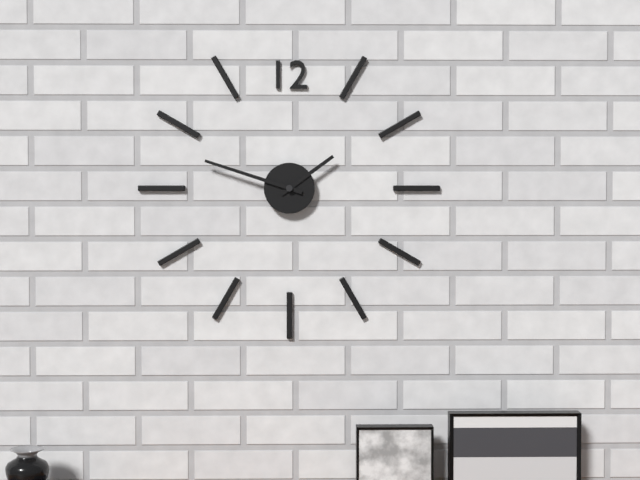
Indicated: 1 h 48 min
